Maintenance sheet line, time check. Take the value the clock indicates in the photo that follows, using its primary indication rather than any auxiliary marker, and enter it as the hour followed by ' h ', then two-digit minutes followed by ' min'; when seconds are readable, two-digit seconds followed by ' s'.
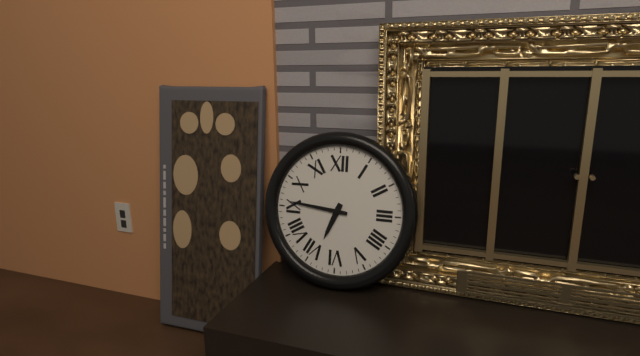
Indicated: 6 h 46 min
